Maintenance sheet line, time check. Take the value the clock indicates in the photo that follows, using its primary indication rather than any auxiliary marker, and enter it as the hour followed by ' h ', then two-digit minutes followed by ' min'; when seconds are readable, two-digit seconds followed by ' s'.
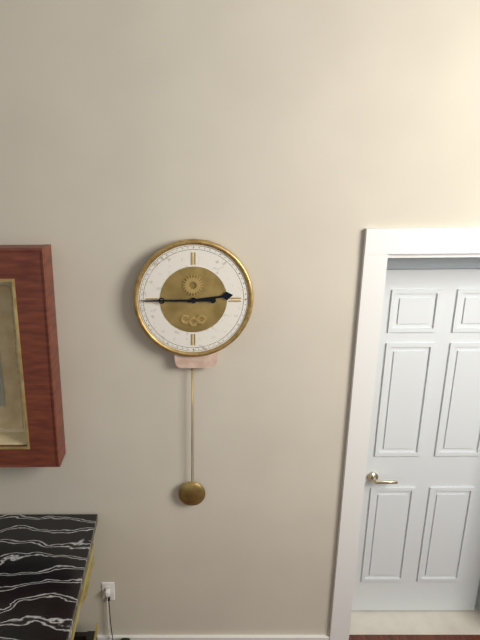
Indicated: 2 h 45 min
